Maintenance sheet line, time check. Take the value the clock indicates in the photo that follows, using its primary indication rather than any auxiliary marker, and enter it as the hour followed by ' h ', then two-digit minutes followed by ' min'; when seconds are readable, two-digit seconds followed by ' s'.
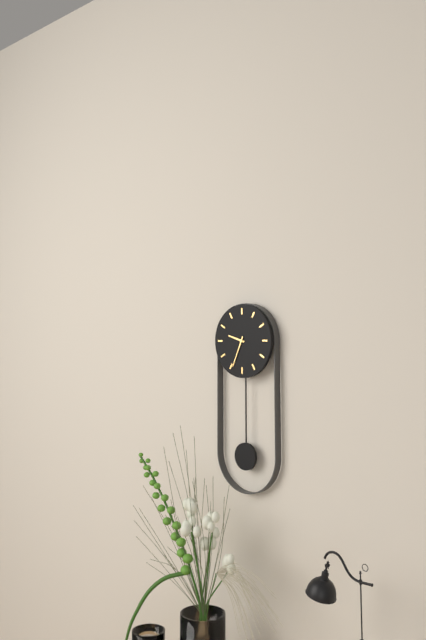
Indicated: 9 h 34 min
